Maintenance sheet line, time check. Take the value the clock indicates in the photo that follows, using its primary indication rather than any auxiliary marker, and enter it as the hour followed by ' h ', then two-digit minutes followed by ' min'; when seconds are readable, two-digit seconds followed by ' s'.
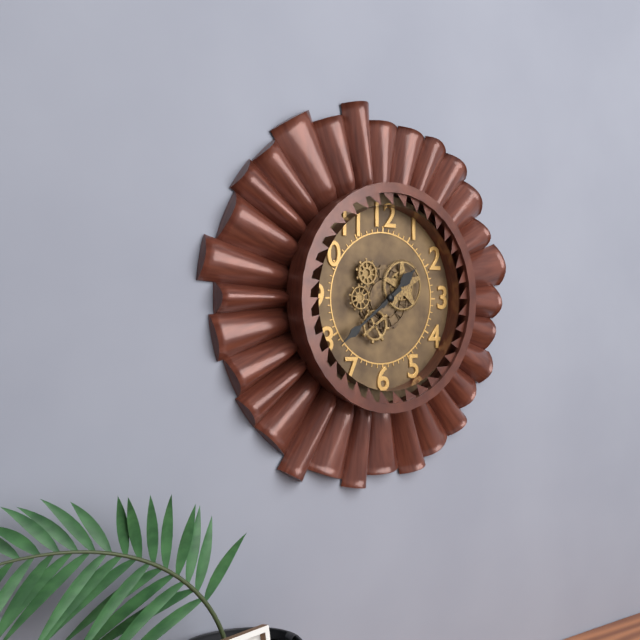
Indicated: 1 h 39 min
